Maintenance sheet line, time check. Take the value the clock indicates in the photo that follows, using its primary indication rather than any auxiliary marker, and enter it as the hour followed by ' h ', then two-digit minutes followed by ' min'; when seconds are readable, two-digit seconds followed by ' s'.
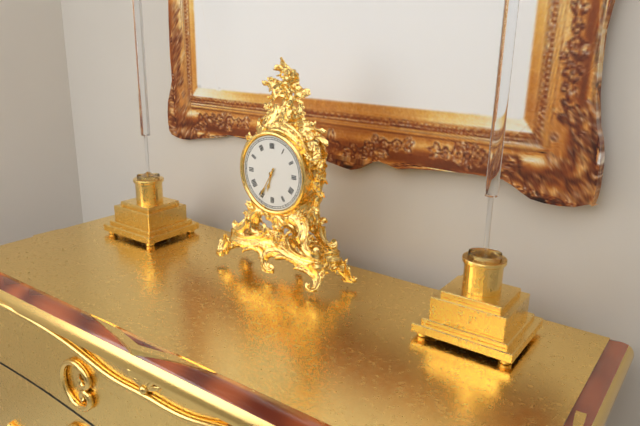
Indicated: 6 h 35 min
